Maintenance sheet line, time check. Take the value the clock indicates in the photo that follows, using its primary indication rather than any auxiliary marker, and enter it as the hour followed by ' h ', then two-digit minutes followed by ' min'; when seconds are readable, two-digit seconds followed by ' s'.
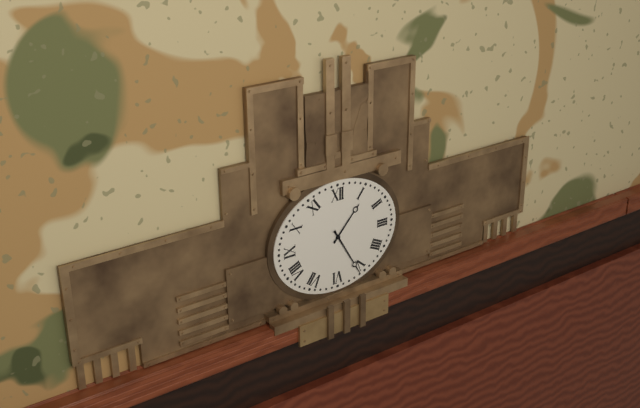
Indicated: 1 h 25 min
